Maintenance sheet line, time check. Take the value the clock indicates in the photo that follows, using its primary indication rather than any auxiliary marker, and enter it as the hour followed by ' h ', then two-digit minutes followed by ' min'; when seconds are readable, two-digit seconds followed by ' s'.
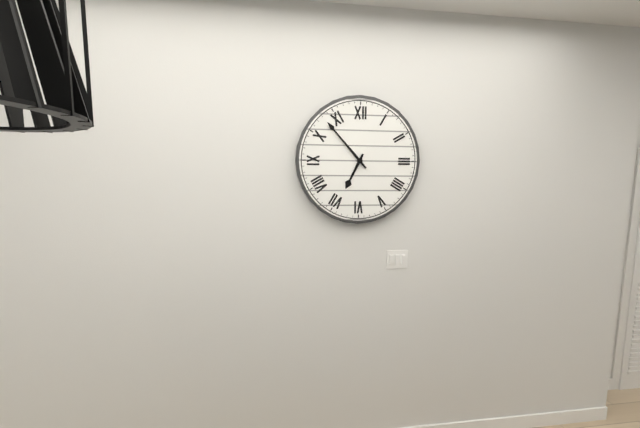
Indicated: 6 h 53 min
